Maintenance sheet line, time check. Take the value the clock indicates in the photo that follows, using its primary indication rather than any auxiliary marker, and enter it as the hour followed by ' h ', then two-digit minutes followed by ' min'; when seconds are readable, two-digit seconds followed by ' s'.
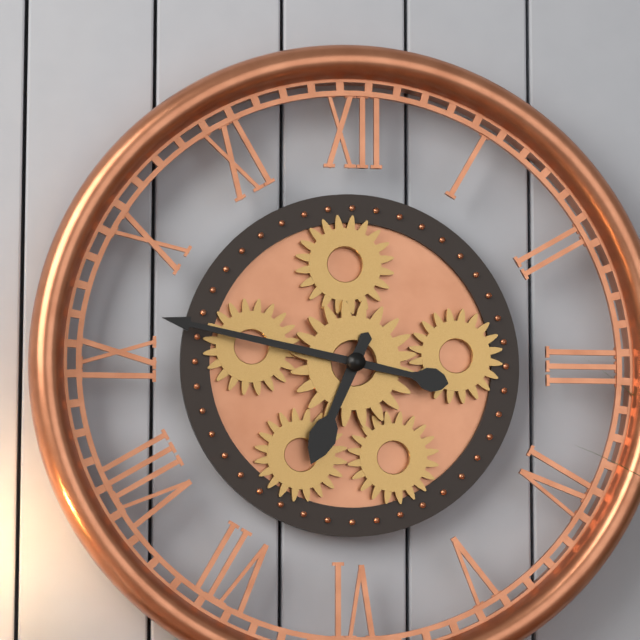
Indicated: 6 h 47 min
